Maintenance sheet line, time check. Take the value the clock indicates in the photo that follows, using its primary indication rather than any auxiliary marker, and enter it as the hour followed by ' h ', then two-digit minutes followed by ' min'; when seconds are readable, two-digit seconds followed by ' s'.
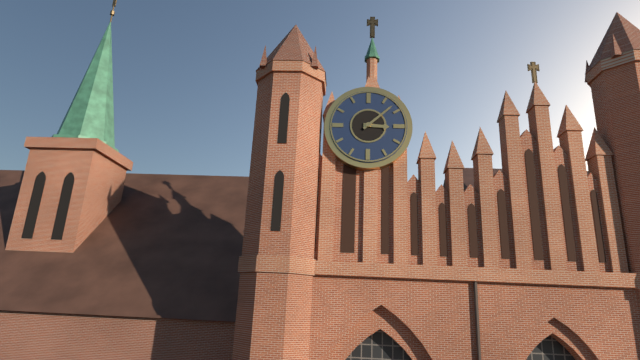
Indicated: 3 h 08 min
